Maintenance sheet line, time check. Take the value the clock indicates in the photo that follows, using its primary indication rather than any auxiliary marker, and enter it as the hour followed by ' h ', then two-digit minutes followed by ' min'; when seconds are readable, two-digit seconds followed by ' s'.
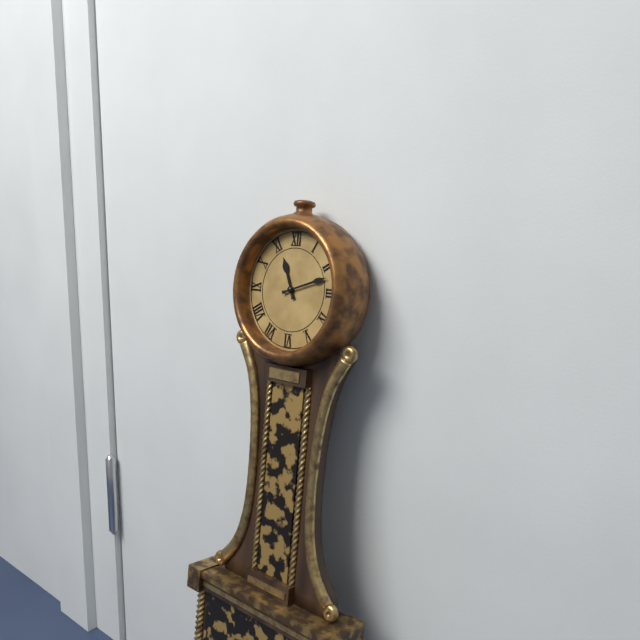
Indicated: 11 h 12 min
